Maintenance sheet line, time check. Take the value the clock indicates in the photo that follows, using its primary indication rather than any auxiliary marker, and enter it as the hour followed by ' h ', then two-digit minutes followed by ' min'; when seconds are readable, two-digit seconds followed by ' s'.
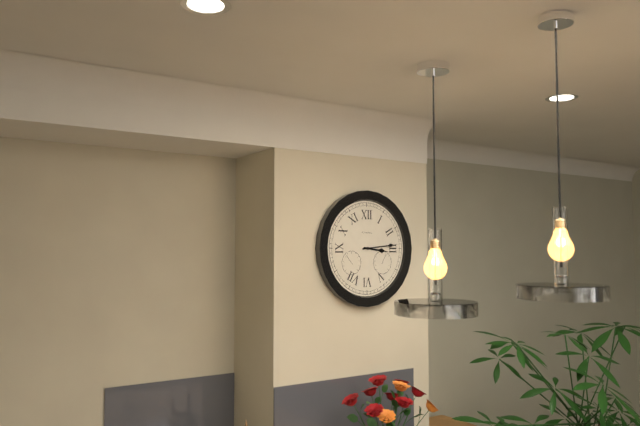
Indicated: 3 h 14 min
